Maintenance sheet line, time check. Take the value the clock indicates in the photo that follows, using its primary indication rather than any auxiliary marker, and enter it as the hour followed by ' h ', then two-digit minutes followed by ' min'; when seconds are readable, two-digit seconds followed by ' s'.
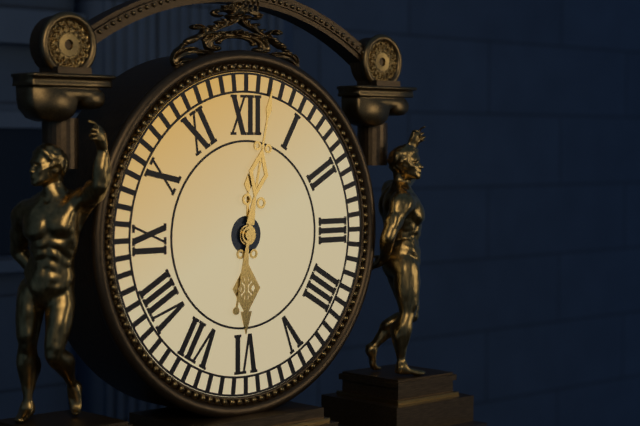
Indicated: 6 h 02 min
